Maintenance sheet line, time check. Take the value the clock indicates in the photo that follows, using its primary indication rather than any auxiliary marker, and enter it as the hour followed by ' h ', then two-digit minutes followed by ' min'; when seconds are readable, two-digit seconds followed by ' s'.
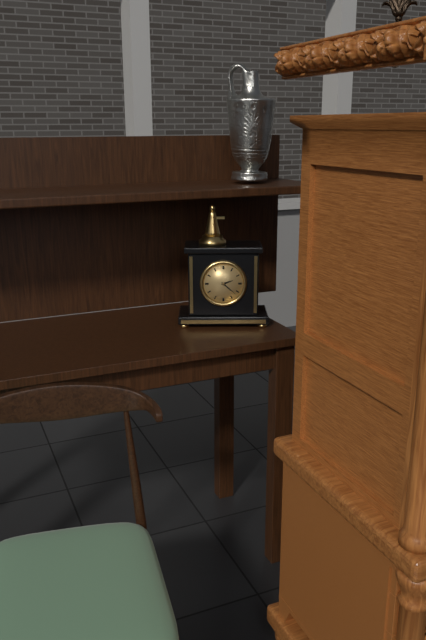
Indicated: 2 h 22 min
